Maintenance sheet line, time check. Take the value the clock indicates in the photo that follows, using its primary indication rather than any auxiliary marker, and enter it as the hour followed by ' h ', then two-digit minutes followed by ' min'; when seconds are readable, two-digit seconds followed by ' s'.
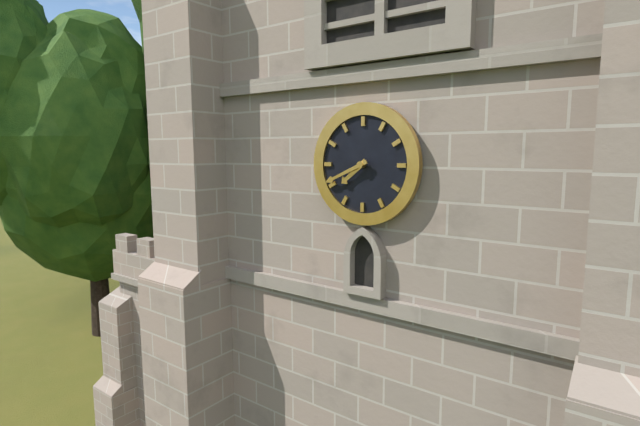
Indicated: 7 h 41 min
